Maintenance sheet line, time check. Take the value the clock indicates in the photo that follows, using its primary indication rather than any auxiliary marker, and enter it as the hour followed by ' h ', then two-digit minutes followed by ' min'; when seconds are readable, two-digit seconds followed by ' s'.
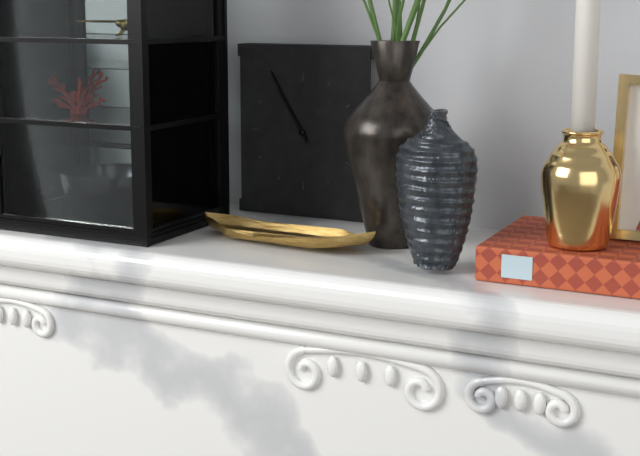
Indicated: 10 h 55 min
